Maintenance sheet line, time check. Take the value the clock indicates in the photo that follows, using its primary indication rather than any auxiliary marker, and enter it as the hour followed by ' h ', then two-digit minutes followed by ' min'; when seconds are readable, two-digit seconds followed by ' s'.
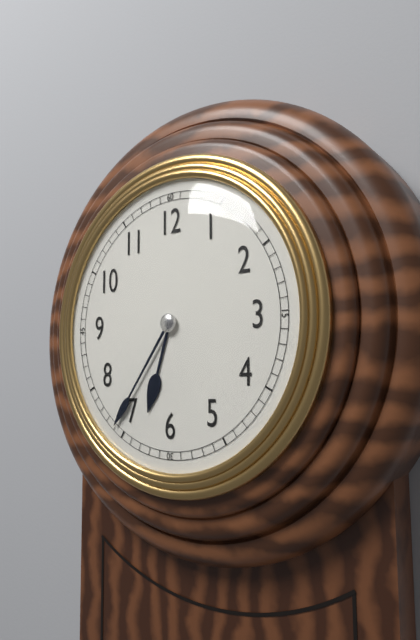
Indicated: 6 h 36 min
